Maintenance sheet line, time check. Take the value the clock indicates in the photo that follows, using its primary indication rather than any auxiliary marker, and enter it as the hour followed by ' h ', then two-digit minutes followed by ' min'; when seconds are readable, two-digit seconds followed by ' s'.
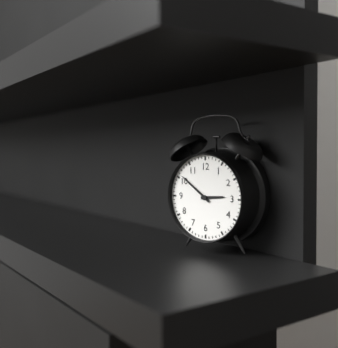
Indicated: 2 h 51 min
